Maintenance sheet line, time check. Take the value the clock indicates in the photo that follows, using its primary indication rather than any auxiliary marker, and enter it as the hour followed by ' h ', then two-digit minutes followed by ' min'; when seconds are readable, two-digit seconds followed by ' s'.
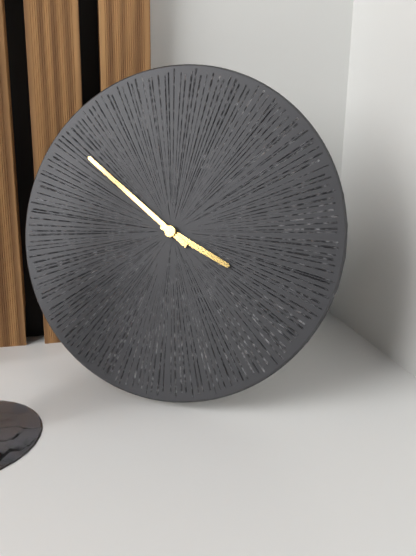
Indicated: 3 h 51 min
